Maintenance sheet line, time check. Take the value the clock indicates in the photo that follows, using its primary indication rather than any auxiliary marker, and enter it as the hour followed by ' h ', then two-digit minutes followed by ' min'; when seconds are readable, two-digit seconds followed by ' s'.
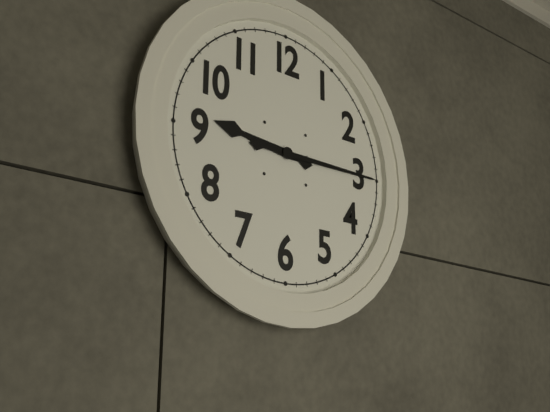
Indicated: 9 h 15 min
